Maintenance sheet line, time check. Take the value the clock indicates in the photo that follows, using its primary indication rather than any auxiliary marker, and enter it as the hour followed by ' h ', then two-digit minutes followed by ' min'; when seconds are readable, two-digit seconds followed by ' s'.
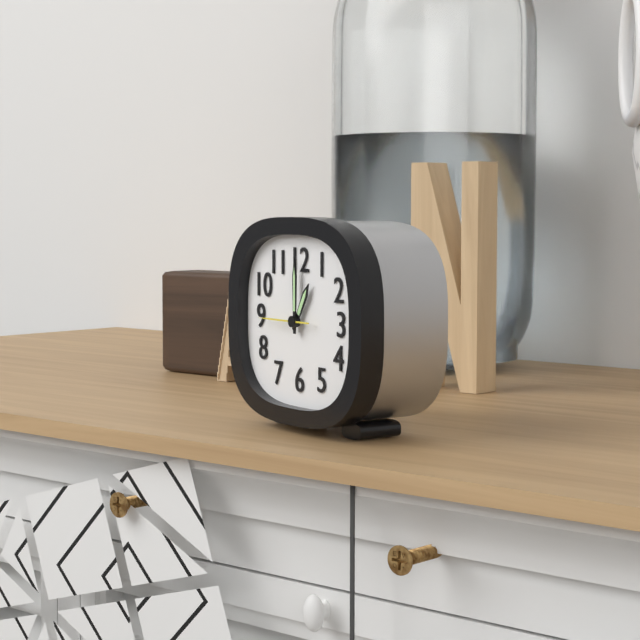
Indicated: 1 h 00 min
